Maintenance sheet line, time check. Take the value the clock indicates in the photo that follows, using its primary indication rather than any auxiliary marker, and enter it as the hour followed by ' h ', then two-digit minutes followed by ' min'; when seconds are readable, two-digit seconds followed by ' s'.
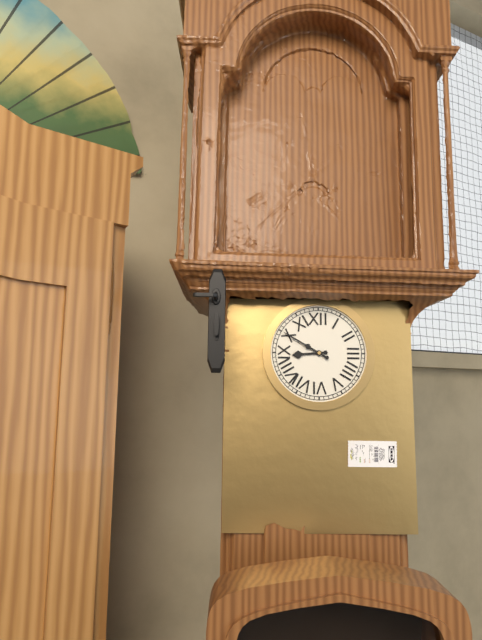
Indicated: 8 h 50 min
